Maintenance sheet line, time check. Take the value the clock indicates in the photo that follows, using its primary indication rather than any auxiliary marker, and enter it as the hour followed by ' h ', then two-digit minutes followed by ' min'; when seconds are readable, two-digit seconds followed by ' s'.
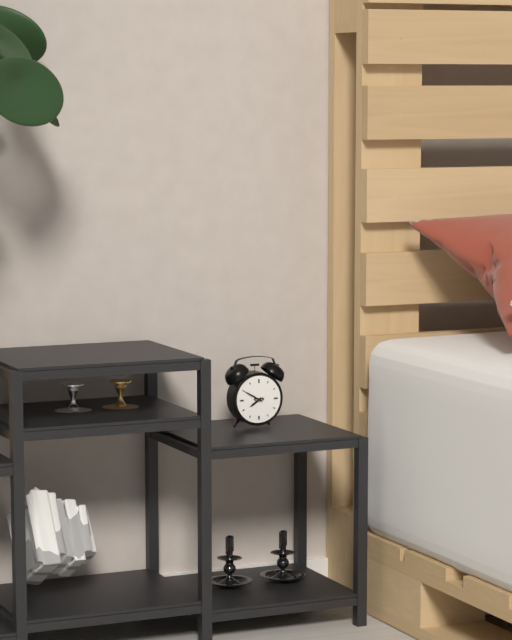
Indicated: 7 h 50 min
